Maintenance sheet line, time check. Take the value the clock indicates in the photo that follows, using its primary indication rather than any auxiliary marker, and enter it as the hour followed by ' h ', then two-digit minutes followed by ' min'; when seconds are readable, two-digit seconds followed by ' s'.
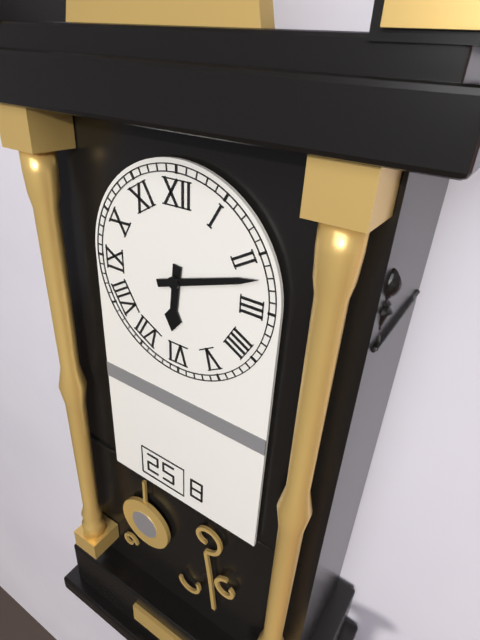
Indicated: 6 h 12 min
